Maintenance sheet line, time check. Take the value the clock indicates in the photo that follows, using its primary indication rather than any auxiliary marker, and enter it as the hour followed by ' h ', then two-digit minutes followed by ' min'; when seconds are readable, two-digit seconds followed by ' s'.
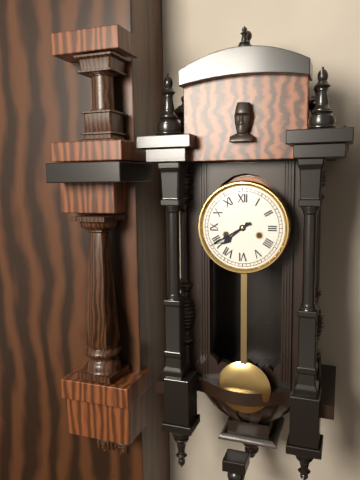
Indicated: 7 h 40 min
